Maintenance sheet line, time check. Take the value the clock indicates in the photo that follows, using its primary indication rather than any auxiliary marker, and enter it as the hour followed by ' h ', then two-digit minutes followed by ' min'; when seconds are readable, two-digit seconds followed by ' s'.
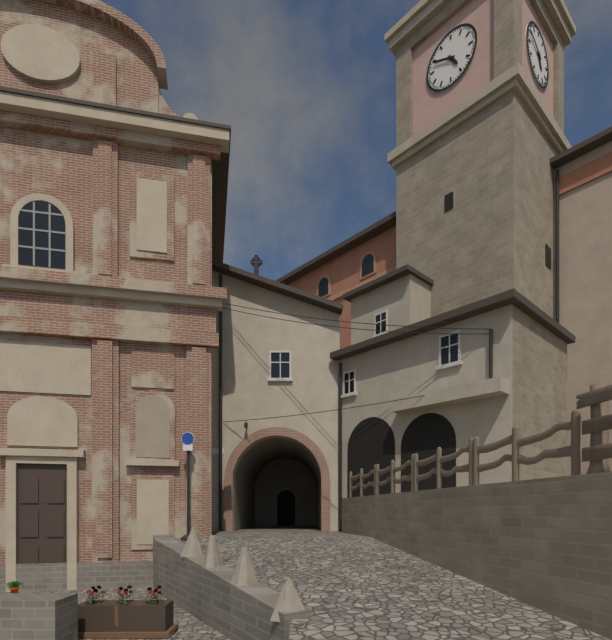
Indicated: 4 h 49 min
